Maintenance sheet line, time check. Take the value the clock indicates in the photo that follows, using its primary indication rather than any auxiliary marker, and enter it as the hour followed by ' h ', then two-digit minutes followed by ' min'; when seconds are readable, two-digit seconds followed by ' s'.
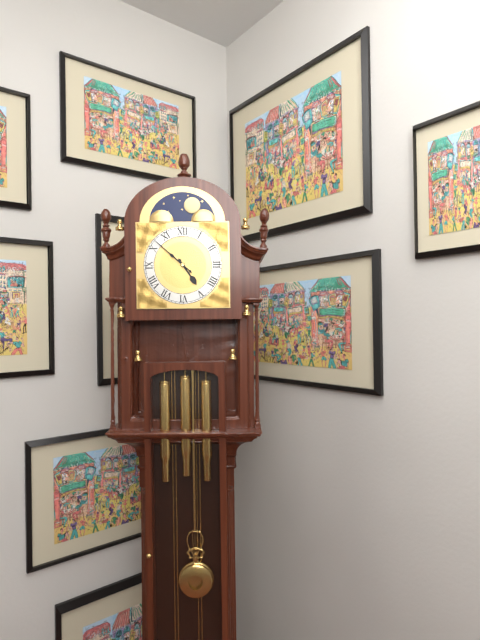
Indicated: 4 h 52 min
